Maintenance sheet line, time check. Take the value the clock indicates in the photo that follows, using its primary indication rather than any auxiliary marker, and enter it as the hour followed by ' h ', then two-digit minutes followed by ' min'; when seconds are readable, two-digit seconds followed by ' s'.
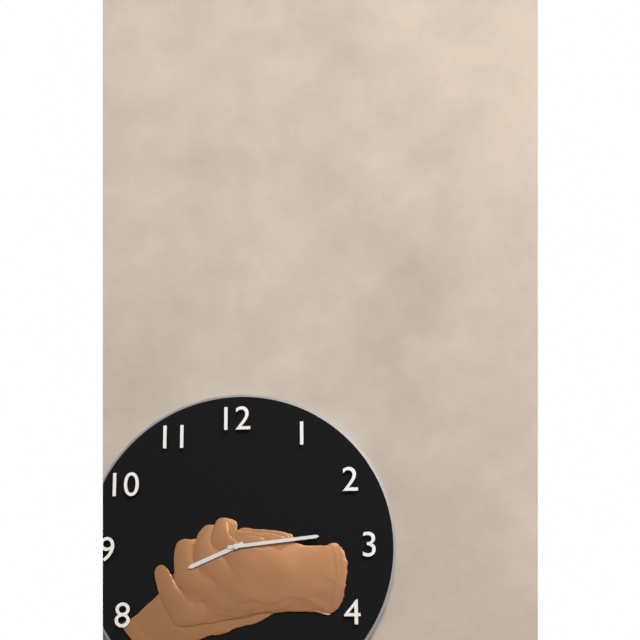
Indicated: 8 h 14 min
